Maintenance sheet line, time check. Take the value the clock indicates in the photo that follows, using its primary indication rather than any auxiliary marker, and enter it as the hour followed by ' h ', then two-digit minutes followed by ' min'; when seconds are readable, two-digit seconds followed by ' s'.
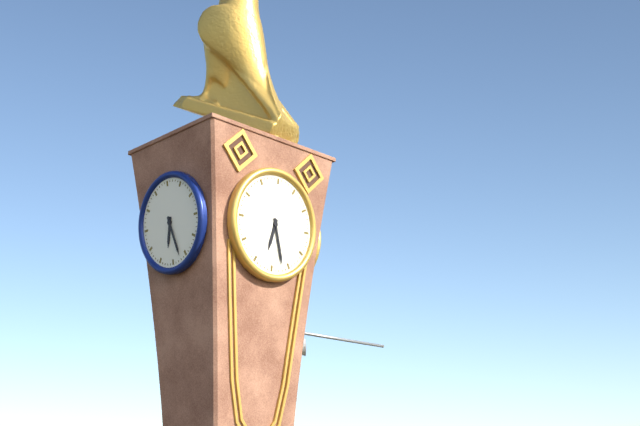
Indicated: 6 h 27 min
